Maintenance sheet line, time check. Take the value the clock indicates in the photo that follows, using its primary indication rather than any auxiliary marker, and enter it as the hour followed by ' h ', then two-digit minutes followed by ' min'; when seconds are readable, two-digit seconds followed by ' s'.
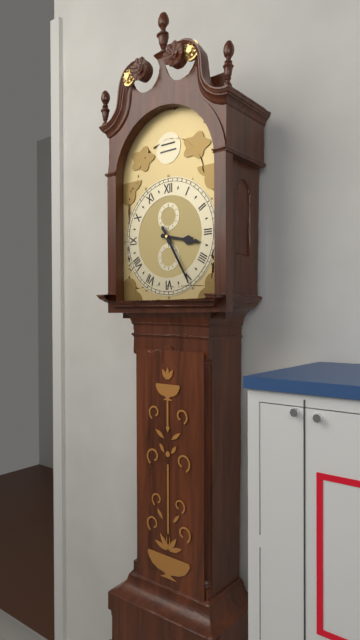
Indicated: 3 h 25 min
